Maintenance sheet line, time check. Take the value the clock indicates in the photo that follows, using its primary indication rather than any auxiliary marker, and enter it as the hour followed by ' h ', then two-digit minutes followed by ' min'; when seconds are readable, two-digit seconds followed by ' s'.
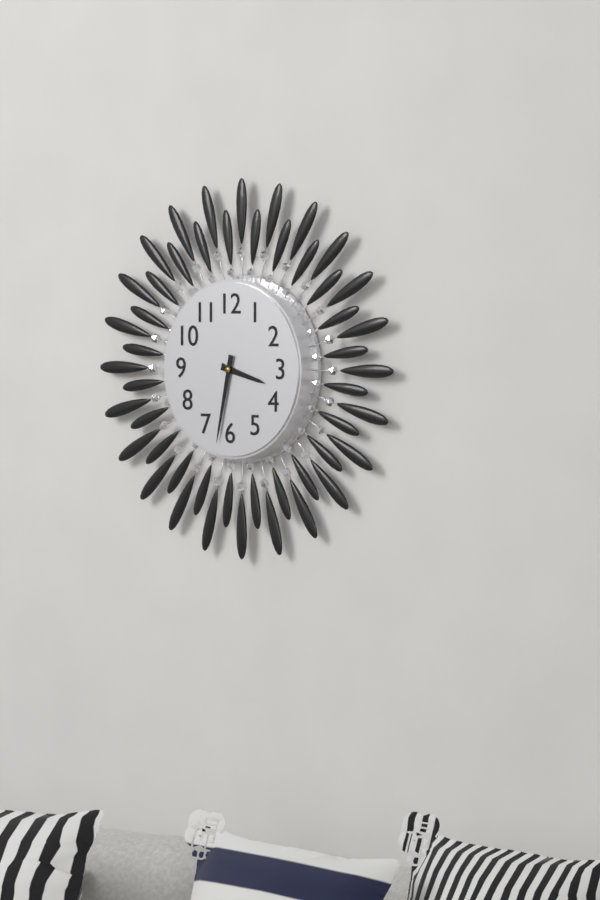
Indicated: 3 h 32 min
